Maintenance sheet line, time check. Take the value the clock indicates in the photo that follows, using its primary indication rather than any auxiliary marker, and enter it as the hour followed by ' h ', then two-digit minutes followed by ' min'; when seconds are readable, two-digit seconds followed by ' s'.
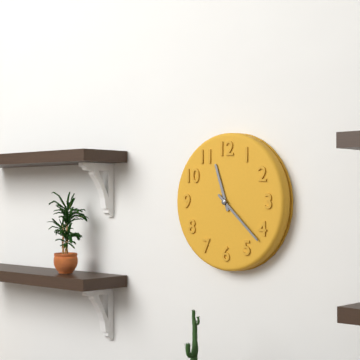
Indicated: 11 h 22 min
